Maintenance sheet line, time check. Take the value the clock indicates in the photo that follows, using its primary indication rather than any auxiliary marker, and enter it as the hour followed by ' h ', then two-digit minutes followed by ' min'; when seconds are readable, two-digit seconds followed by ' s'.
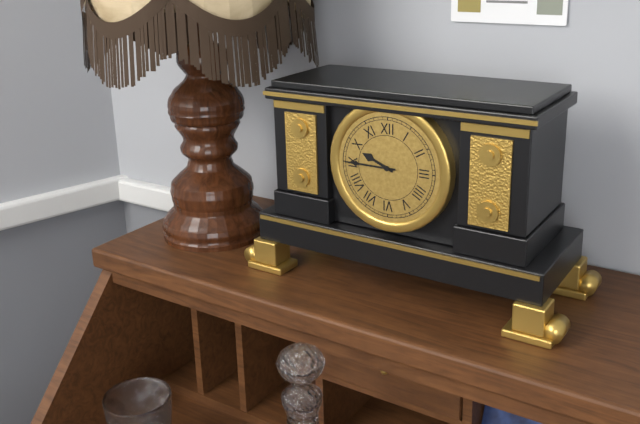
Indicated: 9 h 45 min
